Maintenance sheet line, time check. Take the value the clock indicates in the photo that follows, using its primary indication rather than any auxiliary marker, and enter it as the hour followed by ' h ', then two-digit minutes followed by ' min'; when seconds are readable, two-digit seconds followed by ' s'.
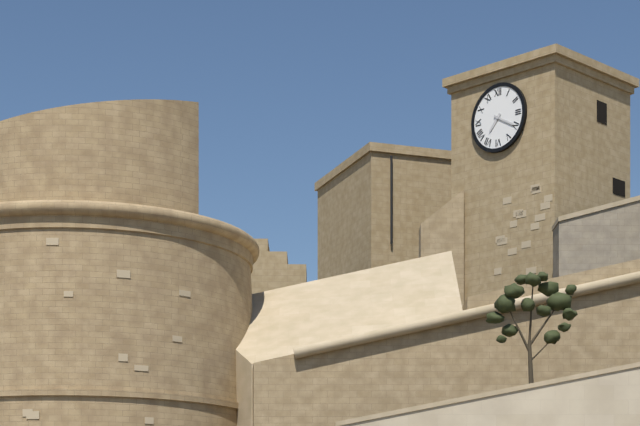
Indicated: 7 h 20 min
